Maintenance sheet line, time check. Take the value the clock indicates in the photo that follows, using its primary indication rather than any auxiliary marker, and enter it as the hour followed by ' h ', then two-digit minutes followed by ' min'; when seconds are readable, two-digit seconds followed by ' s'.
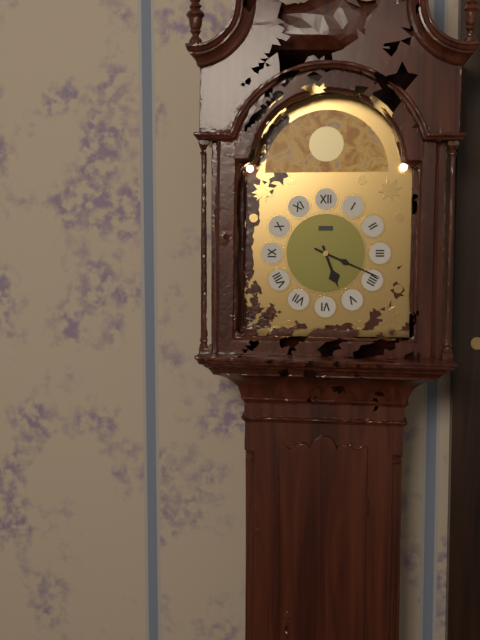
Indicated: 5 h 19 min
